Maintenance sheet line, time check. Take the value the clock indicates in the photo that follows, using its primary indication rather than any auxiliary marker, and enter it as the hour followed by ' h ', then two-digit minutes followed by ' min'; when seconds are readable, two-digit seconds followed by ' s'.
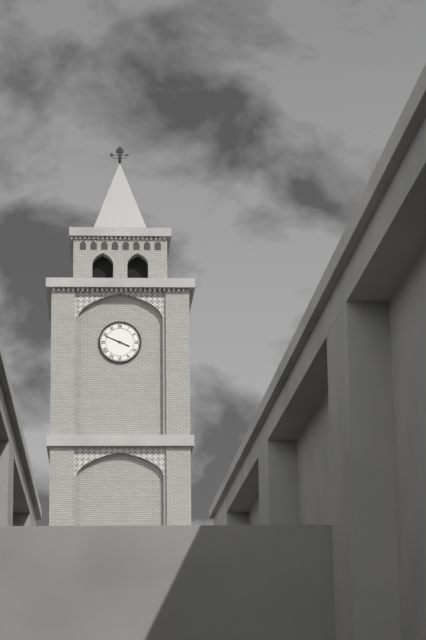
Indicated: 3 h 49 min
